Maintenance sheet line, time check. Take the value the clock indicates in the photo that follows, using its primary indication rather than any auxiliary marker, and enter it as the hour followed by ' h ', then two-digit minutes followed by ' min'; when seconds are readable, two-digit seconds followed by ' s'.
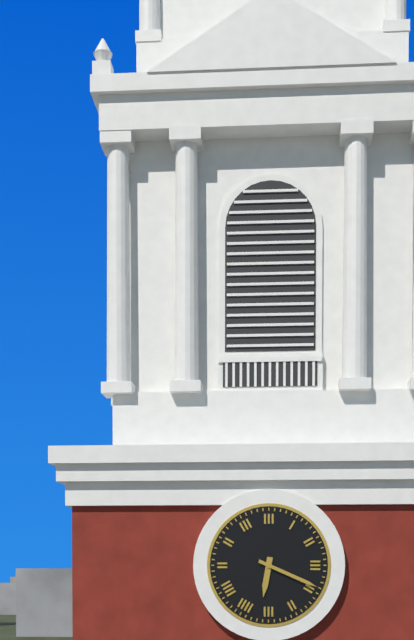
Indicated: 6 h 19 min
